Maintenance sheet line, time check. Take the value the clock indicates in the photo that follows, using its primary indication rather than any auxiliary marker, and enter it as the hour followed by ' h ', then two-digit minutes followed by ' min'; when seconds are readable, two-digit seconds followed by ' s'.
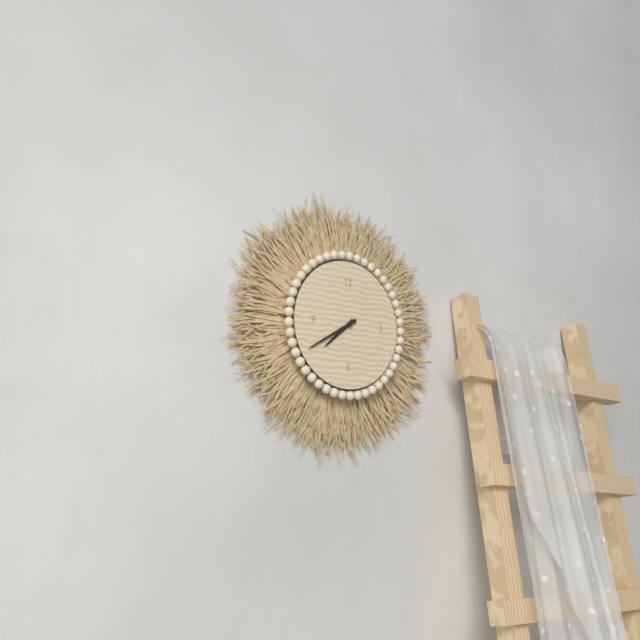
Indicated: 7 h 40 min
